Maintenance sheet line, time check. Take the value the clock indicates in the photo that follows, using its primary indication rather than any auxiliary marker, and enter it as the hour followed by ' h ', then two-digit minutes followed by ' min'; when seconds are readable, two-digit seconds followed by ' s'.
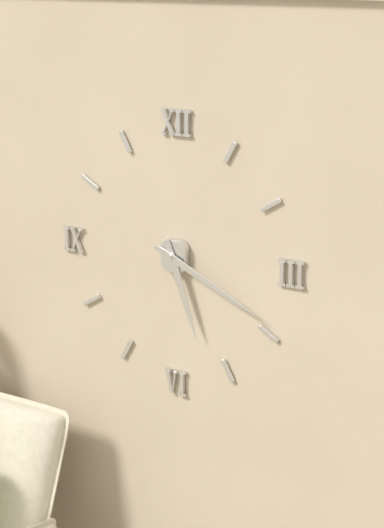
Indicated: 5 h 19 min
